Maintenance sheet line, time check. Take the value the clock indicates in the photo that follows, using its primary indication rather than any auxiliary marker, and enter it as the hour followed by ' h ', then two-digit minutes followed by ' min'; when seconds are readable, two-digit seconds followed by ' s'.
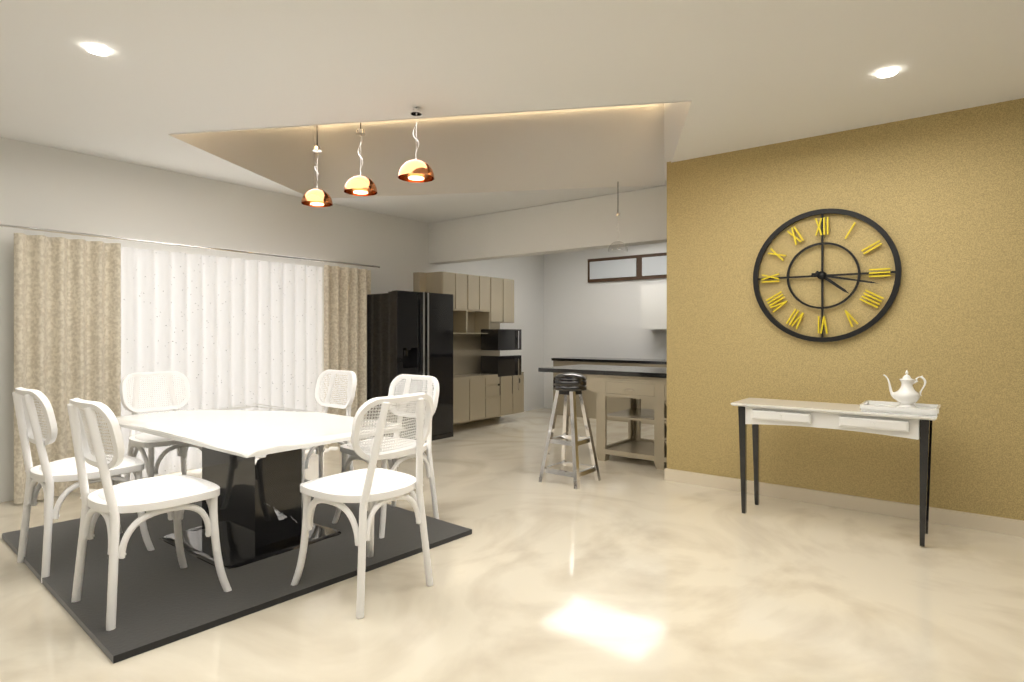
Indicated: 4 h 17 min
